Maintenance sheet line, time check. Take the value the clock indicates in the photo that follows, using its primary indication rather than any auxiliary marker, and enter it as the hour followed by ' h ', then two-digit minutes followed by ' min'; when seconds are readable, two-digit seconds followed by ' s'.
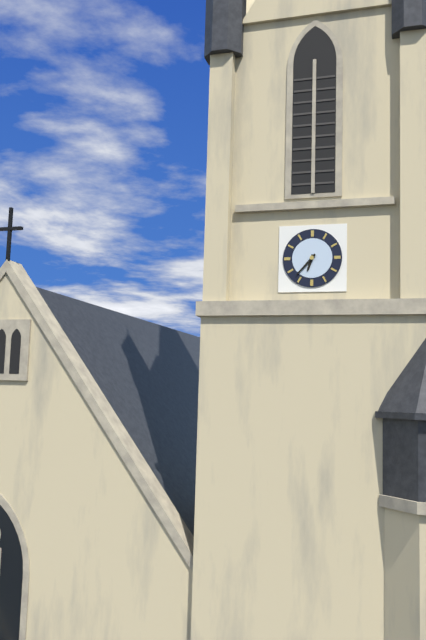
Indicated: 6 h 37 min
